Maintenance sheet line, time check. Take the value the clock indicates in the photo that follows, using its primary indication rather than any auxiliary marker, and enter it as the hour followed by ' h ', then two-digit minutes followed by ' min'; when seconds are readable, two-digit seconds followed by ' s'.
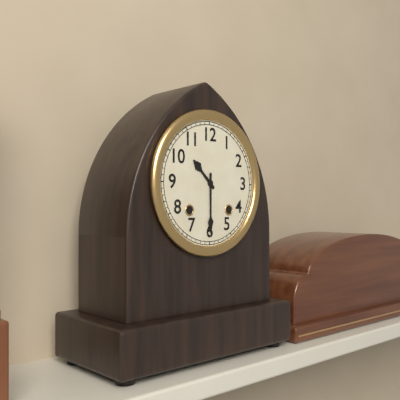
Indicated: 10 h 30 min
